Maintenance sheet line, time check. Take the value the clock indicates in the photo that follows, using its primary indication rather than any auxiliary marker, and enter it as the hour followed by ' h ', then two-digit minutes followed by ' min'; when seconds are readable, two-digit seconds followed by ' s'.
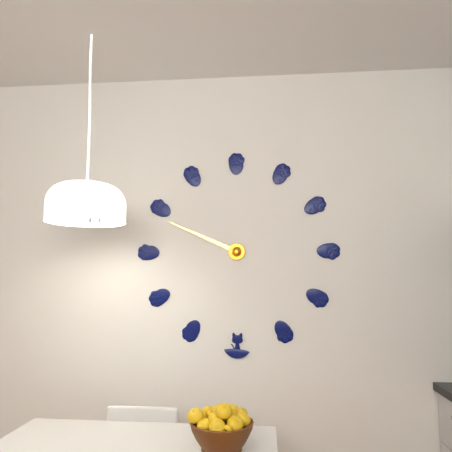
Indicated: 9 h 49 min
